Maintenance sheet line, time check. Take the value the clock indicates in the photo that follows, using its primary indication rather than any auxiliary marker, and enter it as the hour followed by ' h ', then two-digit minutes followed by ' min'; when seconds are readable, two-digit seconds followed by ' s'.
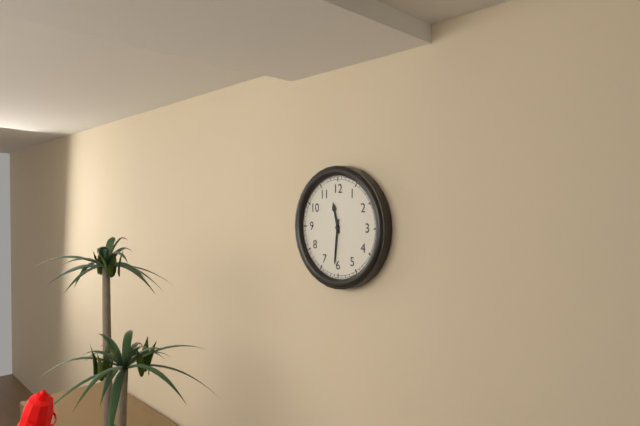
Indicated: 11 h 31 min
